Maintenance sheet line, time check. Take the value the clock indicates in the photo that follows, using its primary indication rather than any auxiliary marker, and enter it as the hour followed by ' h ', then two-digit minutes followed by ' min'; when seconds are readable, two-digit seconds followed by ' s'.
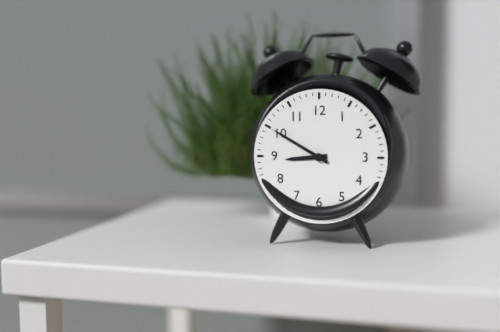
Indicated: 8 h 50 min
